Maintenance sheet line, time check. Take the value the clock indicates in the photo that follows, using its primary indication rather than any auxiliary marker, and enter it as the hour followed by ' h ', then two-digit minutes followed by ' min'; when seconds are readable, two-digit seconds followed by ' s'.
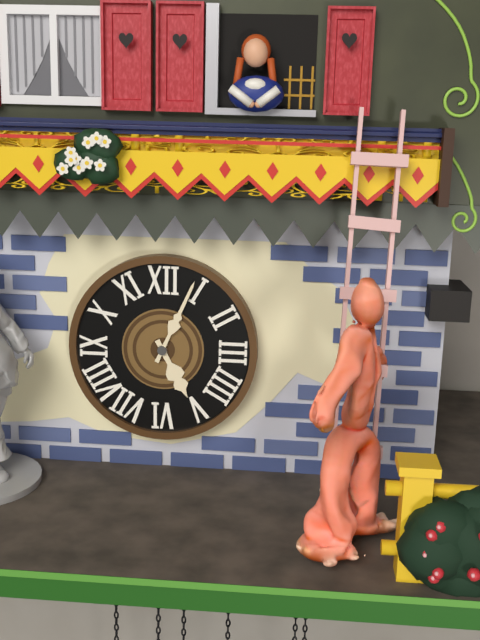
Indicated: 5 h 04 min
